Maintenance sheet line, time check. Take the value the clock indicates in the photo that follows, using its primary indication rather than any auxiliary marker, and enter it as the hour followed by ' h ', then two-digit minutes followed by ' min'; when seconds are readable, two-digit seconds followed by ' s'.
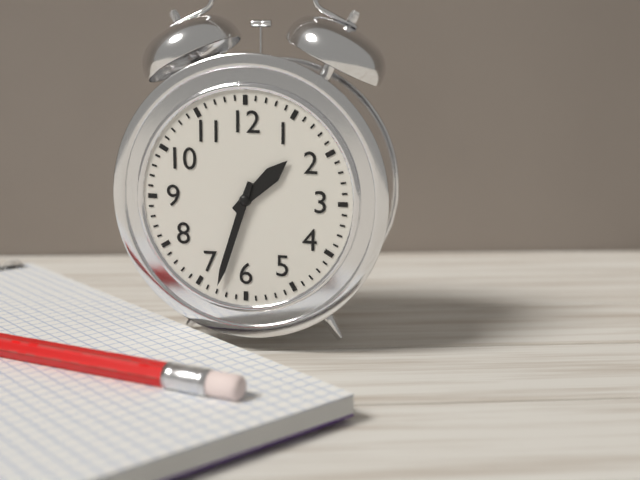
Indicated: 1 h 33 min
